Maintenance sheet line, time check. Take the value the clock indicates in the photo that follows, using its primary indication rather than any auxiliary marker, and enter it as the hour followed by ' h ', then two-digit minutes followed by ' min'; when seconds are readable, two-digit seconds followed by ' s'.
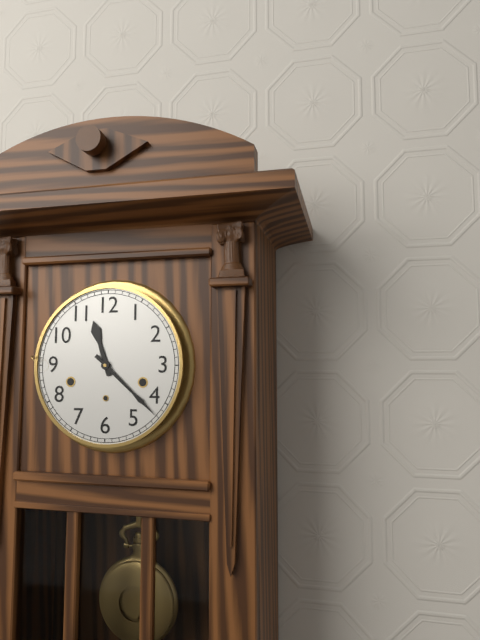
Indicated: 11 h 22 min
